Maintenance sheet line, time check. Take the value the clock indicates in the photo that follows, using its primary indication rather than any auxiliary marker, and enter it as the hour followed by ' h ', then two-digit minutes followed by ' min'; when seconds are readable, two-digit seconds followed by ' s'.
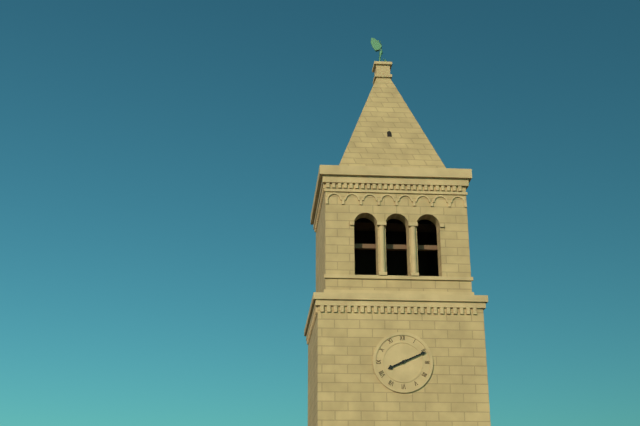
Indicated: 8 h 11 min
